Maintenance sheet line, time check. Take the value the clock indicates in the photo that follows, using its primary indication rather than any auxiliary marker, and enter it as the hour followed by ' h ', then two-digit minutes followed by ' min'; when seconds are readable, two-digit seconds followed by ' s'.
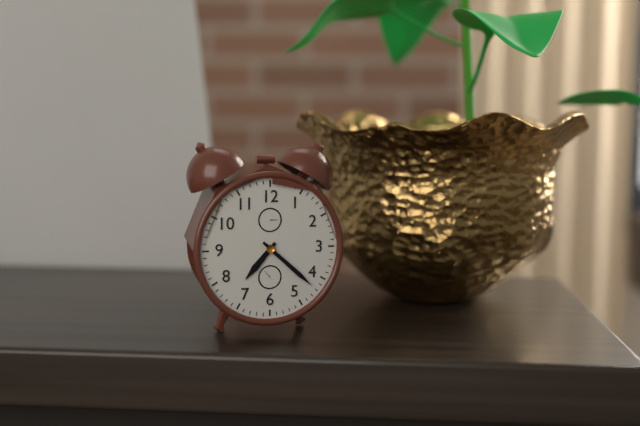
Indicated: 7 h 22 min
